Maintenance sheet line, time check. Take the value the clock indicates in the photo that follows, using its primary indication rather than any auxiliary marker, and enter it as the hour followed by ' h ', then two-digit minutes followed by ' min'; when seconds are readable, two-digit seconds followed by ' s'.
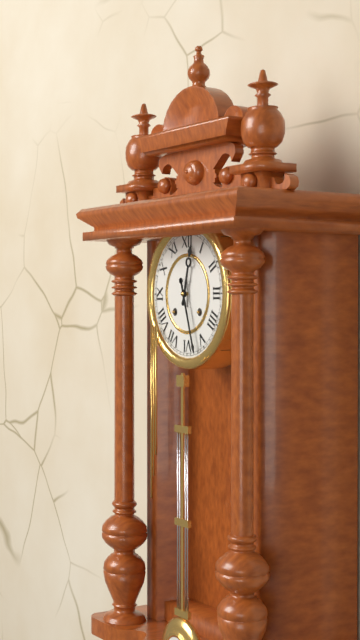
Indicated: 12 h 27 min
